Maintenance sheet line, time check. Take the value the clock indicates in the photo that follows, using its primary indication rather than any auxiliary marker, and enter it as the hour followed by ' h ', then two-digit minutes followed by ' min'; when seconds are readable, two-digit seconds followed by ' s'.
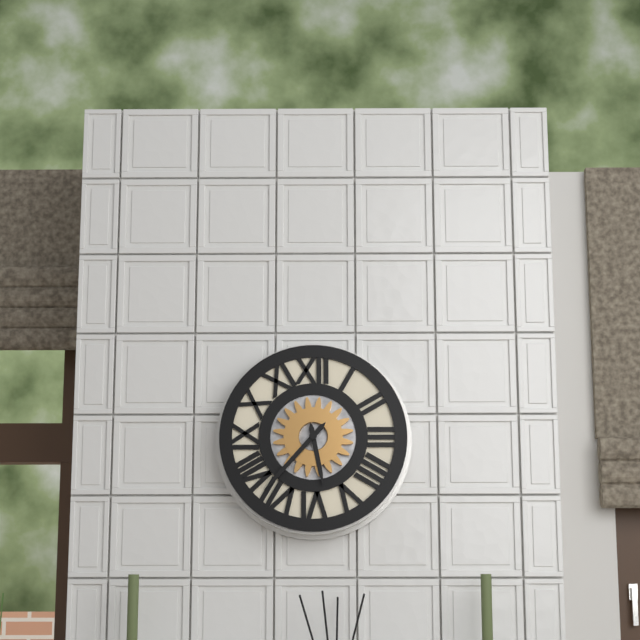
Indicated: 5 h 37 min
